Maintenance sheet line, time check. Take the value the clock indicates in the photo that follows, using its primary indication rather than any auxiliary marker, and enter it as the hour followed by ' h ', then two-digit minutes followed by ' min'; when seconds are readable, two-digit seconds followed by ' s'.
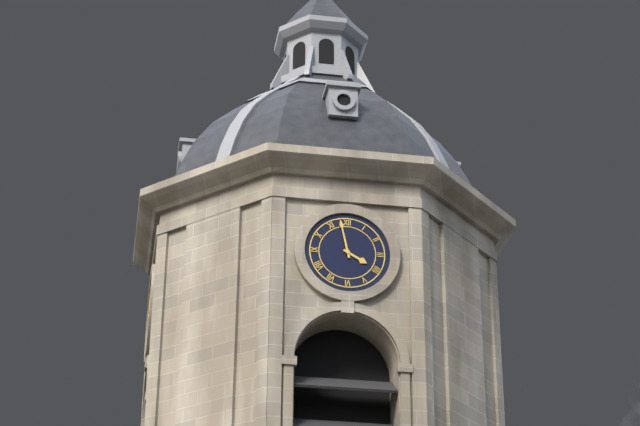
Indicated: 3 h 58 min
